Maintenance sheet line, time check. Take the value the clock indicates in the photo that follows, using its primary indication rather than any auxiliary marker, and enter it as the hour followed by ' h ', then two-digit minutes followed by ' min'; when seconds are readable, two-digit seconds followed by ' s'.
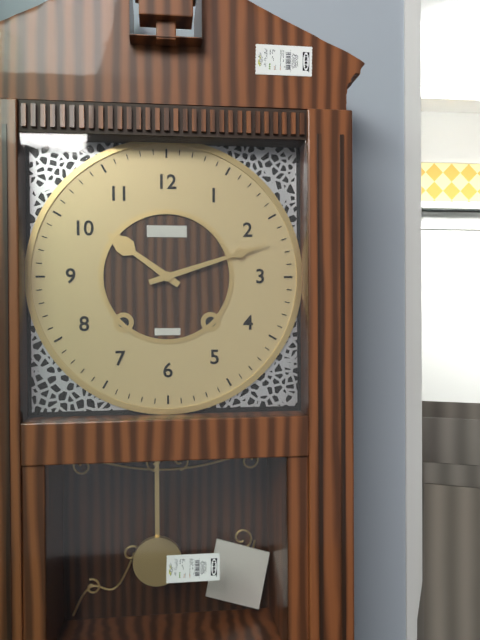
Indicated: 10 h 12 min
